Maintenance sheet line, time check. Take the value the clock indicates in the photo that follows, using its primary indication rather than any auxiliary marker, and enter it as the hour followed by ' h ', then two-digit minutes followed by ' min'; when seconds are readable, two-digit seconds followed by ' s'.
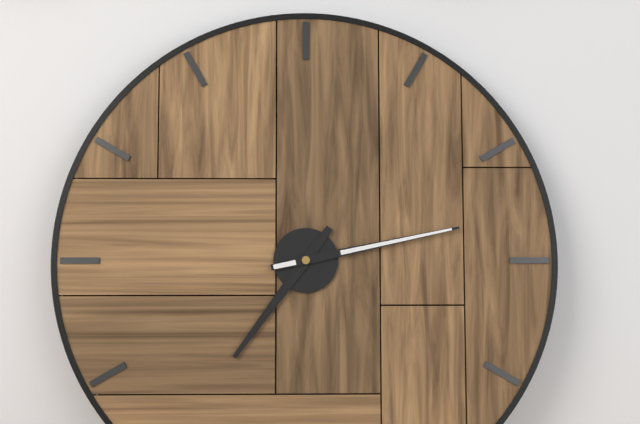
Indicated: 7 h 13 min
